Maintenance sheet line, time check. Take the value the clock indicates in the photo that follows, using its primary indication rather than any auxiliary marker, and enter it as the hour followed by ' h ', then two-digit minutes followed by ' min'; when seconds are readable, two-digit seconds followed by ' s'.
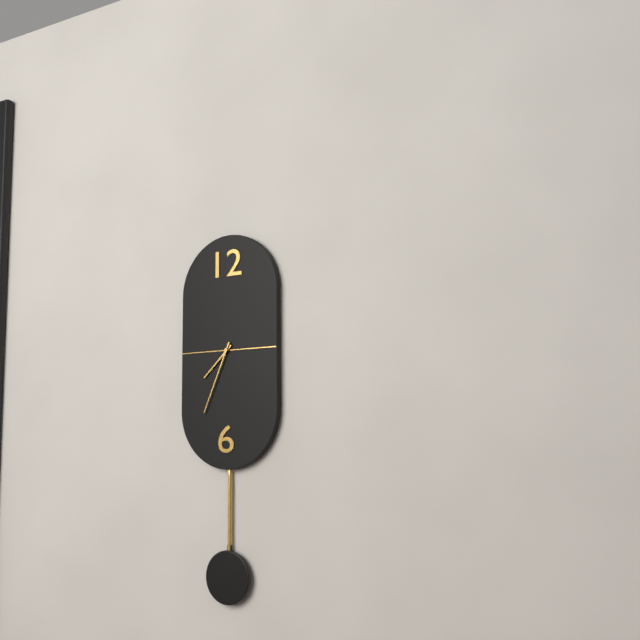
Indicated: 7 h 34 min
